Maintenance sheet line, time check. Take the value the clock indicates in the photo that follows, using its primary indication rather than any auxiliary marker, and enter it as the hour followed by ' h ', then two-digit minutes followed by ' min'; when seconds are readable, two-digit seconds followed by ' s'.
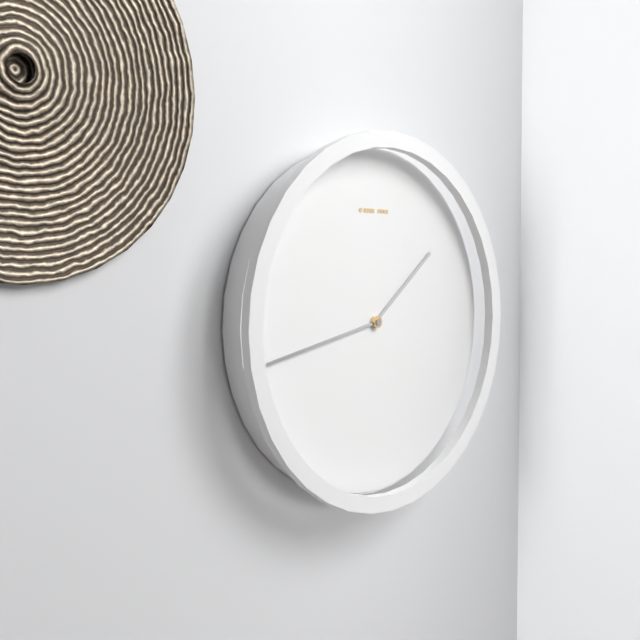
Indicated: 1 h 43 min
